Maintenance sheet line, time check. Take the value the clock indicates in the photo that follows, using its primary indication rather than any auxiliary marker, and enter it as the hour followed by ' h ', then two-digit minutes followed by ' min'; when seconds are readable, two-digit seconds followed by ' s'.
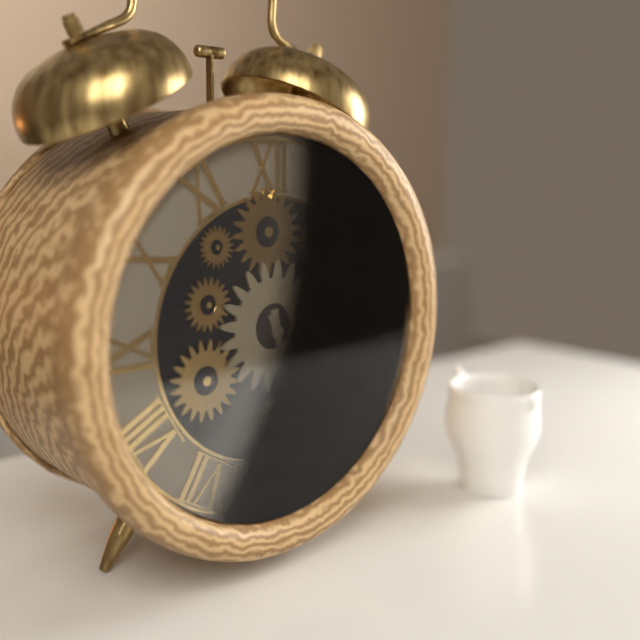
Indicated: 5 h 28 min
